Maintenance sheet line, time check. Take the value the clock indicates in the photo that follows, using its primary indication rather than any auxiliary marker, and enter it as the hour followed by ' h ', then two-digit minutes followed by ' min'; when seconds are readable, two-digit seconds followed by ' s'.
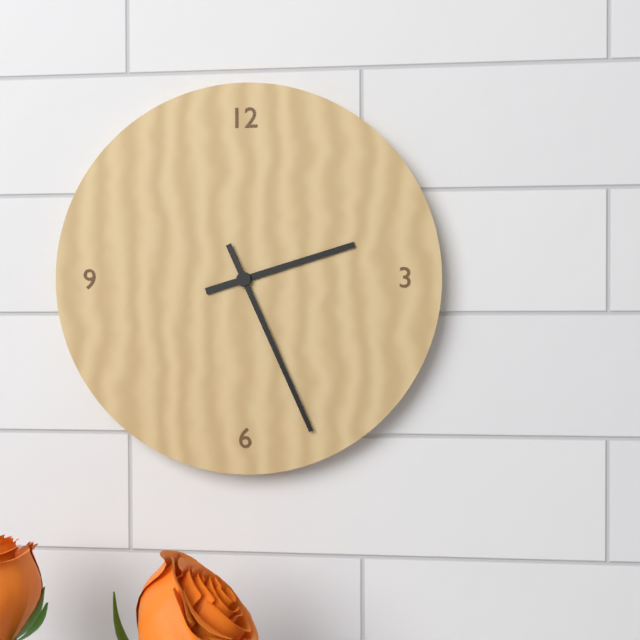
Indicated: 2 h 26 min
